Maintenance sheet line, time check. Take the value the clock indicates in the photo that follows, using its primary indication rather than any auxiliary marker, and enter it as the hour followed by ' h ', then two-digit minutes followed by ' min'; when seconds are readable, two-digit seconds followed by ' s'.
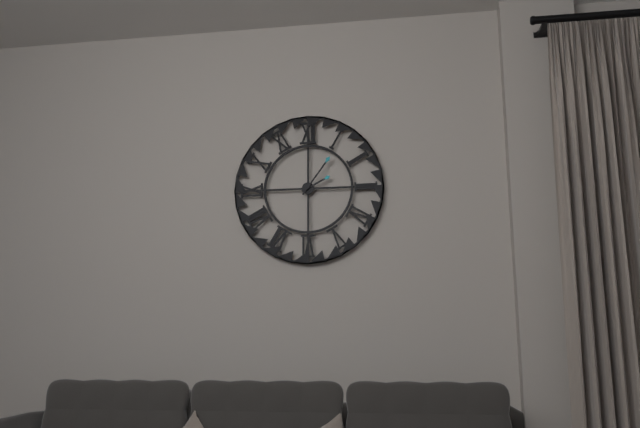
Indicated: 2 h 06 min
